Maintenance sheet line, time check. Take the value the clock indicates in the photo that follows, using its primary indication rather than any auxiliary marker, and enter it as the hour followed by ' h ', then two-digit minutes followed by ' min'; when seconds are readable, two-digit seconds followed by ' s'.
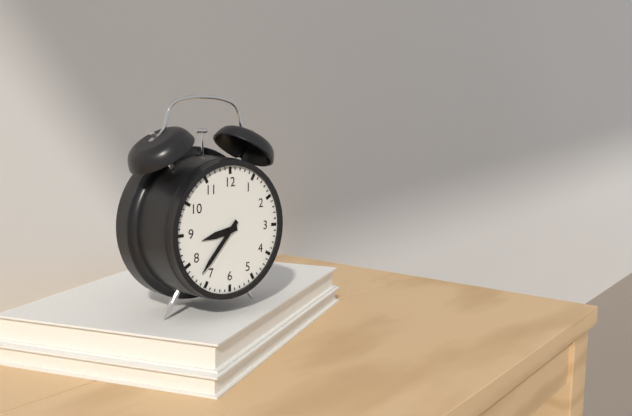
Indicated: 8 h 37 min
